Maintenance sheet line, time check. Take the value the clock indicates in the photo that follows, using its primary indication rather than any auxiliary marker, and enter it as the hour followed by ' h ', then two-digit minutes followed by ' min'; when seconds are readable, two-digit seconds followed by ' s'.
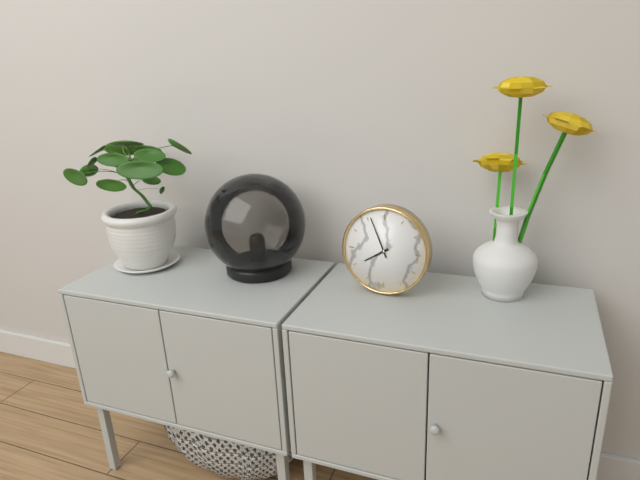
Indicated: 7 h 56 min
